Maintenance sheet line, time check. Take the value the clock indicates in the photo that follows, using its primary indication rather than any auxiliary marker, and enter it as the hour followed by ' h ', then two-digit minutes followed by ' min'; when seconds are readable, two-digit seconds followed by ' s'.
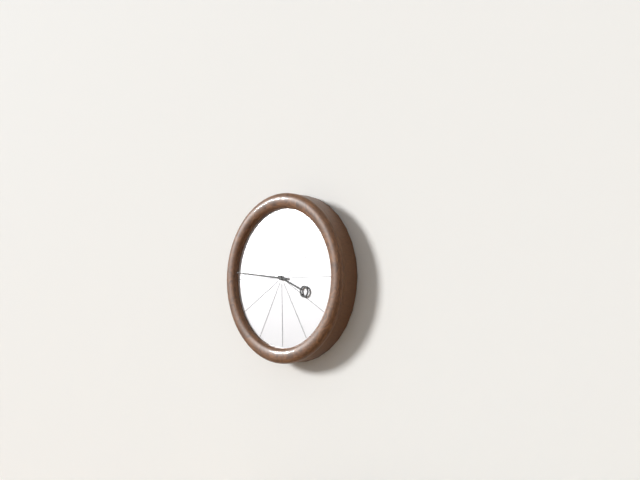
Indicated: 3 h 46 min
